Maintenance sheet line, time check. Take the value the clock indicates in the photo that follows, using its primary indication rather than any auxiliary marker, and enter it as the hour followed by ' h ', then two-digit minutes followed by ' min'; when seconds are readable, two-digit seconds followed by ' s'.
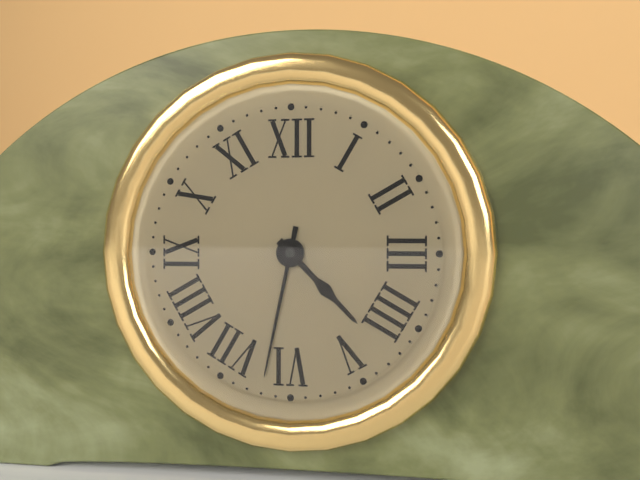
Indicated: 4 h 32 min
